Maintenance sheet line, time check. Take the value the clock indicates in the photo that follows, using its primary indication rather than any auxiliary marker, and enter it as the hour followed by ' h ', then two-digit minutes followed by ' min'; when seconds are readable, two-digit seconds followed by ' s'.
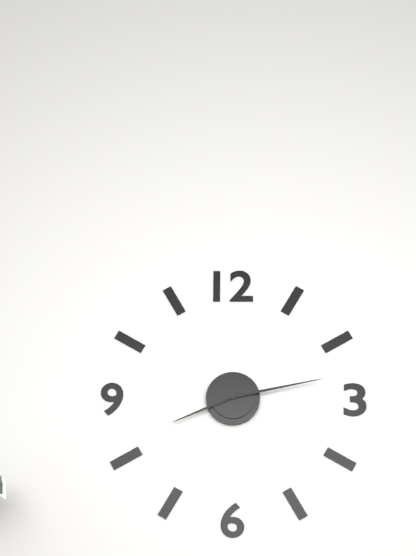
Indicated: 8 h 13 min
